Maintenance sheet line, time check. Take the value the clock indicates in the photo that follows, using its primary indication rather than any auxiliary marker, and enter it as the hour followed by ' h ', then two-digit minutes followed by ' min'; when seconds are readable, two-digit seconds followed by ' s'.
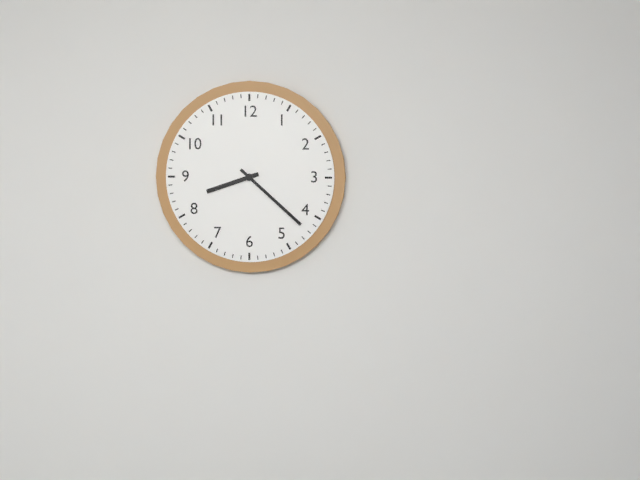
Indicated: 8 h 22 min
